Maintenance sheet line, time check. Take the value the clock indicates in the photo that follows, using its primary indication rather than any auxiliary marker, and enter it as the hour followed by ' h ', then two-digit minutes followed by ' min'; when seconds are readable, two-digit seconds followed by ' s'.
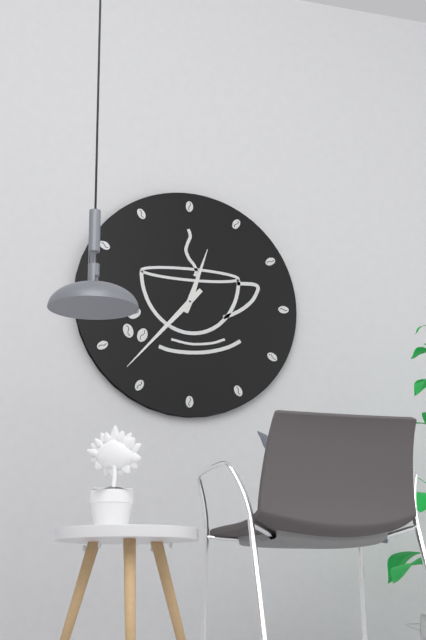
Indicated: 12 h 37 min
